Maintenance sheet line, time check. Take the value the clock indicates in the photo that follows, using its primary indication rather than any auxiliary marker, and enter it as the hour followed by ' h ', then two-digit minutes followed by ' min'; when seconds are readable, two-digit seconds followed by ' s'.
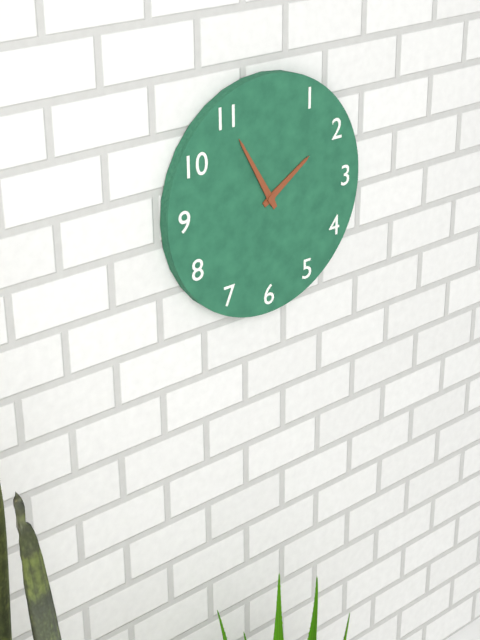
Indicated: 1 h 55 min
